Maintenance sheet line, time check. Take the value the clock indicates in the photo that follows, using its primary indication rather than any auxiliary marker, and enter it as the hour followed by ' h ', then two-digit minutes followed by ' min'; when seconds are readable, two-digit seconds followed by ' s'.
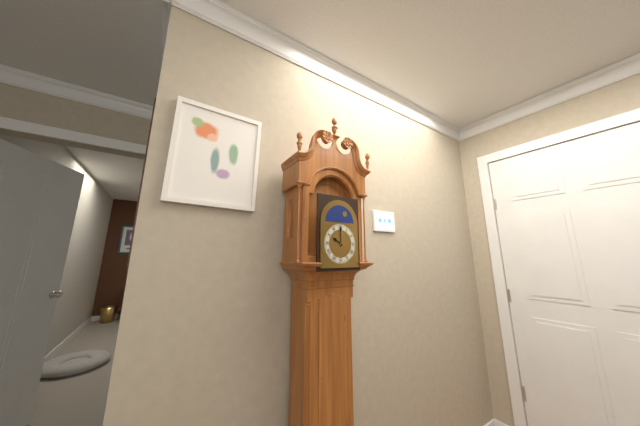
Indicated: 10 h 00 min
